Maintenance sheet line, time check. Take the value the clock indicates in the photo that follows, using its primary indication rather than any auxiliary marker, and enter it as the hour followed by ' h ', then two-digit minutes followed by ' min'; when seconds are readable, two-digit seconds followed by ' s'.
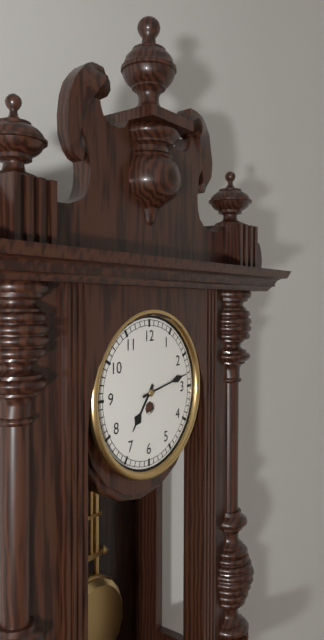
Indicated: 7 h 13 min
